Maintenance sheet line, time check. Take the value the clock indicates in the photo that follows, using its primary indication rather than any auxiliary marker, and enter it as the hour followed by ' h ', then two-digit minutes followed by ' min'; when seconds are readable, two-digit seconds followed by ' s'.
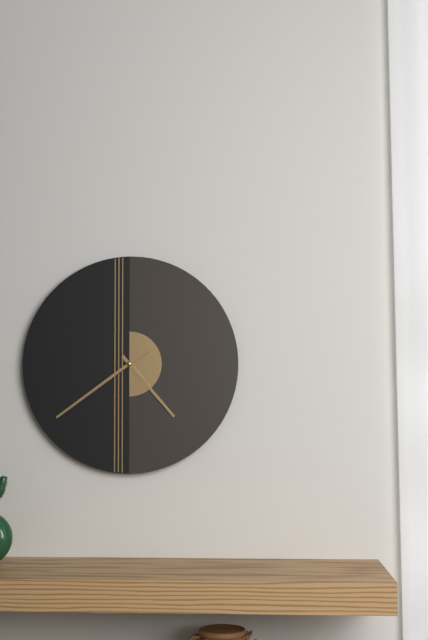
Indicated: 4 h 39 min
